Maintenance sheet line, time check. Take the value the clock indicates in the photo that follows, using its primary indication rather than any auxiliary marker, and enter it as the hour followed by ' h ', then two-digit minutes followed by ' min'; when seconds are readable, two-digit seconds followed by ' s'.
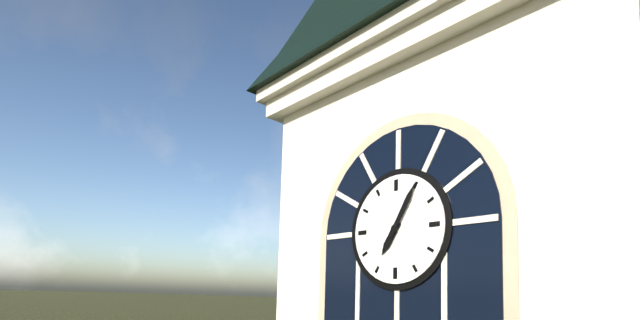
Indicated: 7 h 05 min
